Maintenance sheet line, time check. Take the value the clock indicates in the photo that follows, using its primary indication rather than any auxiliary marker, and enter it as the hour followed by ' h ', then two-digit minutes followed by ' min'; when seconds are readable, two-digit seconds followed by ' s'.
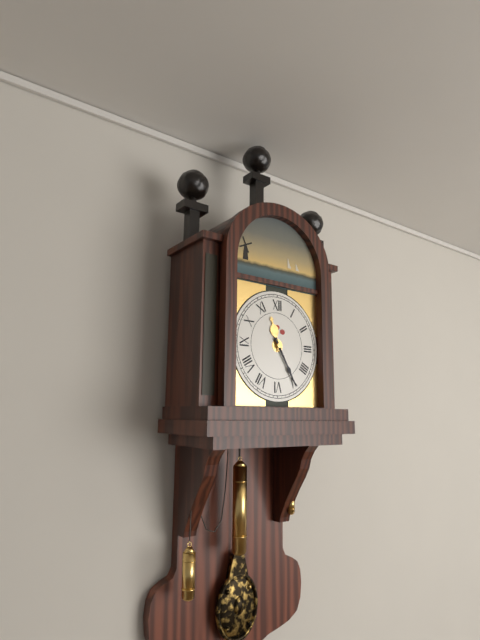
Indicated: 11 h 25 min
